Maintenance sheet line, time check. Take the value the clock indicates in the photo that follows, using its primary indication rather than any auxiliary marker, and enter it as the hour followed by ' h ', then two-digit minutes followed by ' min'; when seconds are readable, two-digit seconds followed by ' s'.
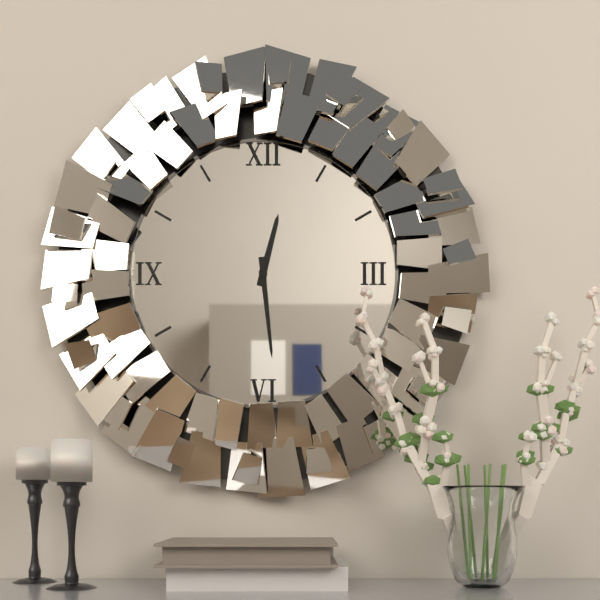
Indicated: 12 h 29 min
